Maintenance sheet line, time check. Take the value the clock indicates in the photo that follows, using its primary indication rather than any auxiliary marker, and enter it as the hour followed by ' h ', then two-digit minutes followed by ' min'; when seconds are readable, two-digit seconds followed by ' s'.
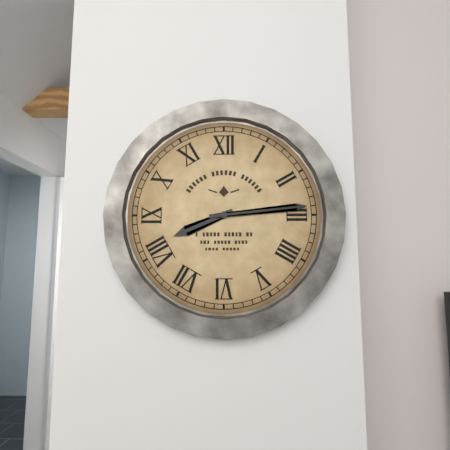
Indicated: 8 h 14 min
